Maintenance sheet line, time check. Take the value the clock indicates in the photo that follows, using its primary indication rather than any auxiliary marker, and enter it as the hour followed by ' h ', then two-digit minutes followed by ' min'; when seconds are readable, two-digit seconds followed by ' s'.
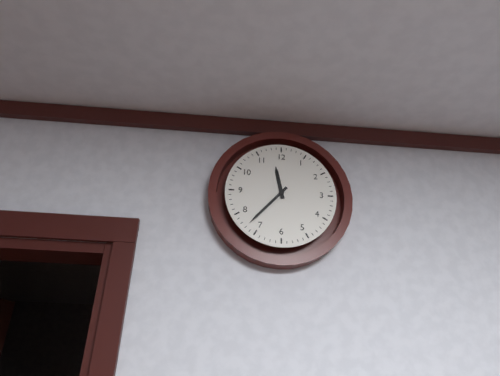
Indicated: 11 h 37 min
